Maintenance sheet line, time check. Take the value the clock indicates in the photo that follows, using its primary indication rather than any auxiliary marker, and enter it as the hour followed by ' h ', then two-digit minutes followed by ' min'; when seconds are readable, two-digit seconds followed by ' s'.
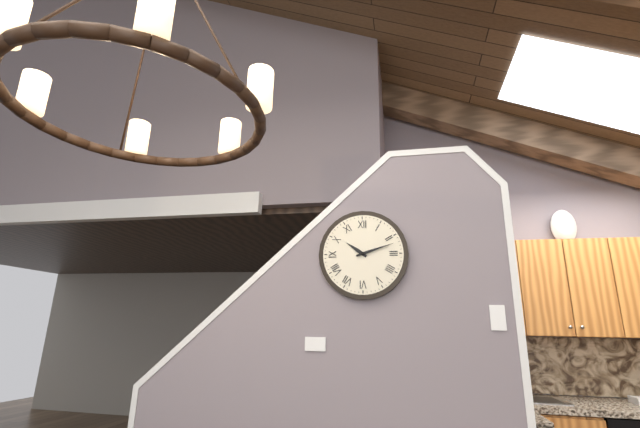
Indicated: 10 h 12 min
